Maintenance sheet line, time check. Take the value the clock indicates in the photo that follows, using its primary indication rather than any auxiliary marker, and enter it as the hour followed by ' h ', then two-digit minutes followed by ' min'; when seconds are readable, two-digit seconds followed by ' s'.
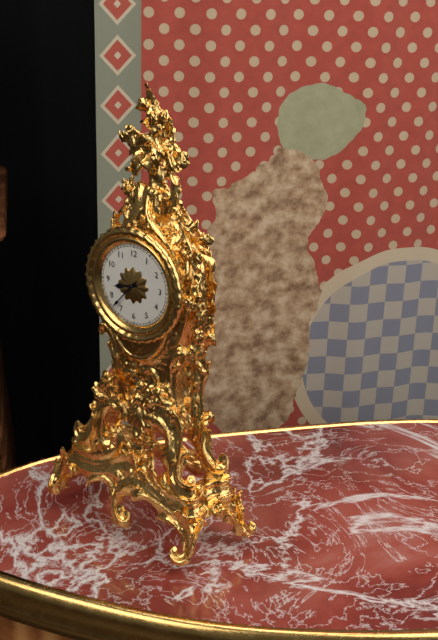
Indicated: 8 h 37 min
